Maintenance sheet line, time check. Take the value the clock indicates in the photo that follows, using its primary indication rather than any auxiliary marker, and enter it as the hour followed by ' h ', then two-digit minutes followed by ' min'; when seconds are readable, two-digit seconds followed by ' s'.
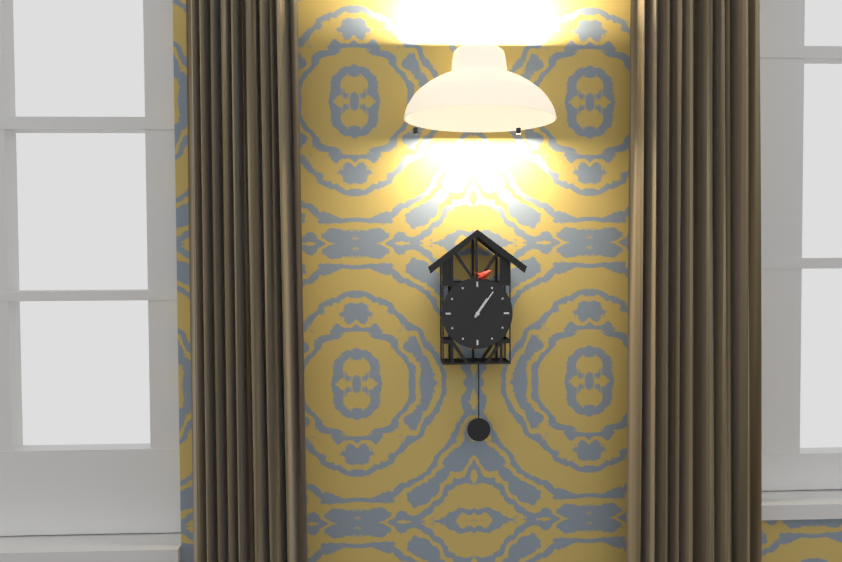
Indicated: 1 h 06 min
